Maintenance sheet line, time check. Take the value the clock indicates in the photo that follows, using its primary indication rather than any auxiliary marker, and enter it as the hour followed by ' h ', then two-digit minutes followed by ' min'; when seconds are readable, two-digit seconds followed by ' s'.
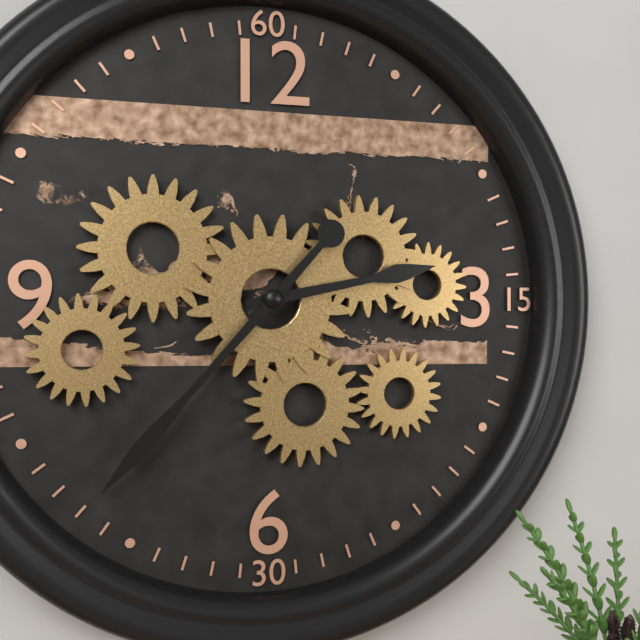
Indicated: 2 h 37 min
